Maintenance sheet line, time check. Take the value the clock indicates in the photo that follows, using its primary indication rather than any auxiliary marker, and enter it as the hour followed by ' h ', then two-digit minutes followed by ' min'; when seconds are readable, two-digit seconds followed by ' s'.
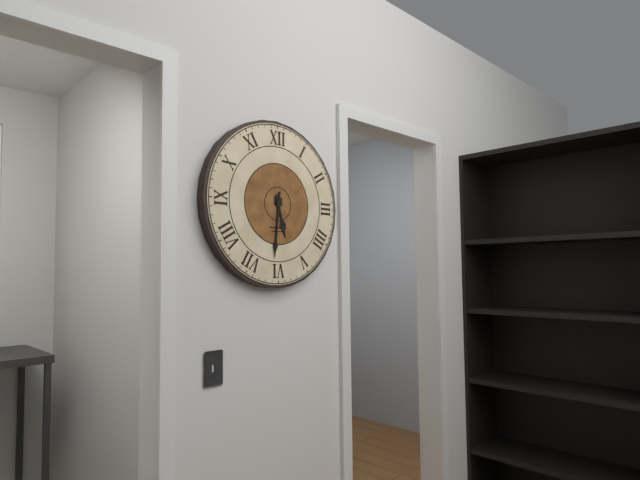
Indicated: 5 h 31 min
